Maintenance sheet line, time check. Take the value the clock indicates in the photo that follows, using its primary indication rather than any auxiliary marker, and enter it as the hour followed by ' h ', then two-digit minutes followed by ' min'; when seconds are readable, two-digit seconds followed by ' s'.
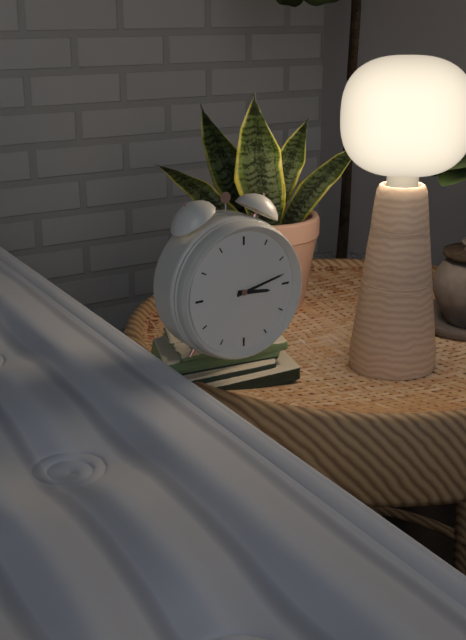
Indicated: 3 h 13 min
